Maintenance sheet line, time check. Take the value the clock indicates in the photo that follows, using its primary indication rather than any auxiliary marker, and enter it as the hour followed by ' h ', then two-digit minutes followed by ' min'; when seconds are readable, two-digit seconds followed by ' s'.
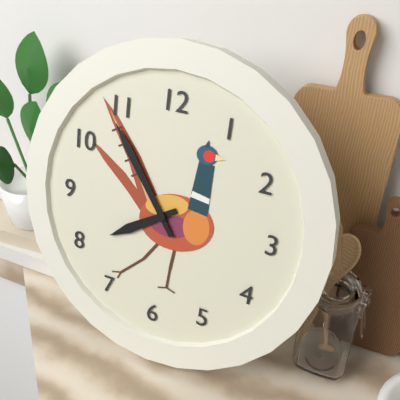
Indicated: 7 h 54 min
